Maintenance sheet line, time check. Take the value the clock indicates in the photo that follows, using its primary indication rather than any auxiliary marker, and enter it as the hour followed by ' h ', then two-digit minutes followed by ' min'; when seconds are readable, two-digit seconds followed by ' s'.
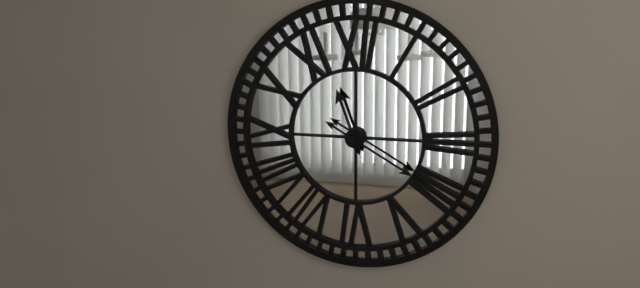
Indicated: 11 h 20 min
